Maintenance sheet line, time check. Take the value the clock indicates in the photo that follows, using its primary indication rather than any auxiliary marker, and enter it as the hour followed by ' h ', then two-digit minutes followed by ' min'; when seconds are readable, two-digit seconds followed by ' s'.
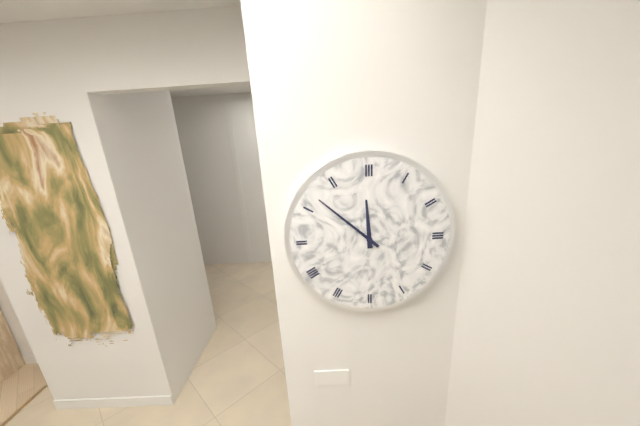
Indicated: 11 h 52 min
